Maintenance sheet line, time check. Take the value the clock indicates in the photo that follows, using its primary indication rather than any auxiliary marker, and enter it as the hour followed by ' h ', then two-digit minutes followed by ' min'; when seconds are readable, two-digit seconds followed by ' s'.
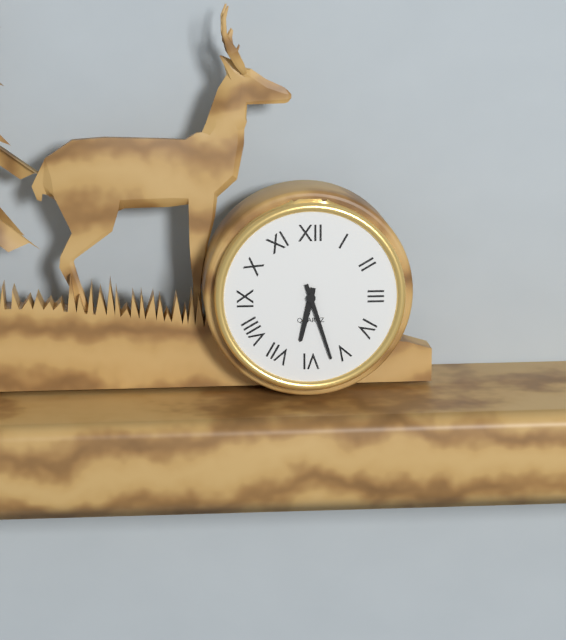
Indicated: 6 h 27 min
